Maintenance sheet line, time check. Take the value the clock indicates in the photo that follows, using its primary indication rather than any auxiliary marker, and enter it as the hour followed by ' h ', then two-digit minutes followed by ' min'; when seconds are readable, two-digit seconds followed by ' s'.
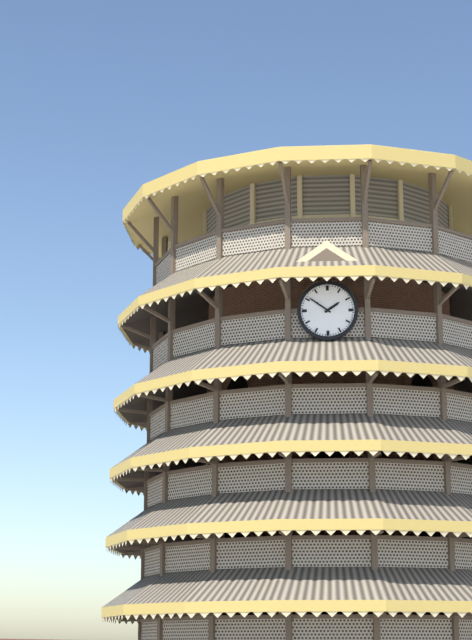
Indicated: 1 h 51 min
